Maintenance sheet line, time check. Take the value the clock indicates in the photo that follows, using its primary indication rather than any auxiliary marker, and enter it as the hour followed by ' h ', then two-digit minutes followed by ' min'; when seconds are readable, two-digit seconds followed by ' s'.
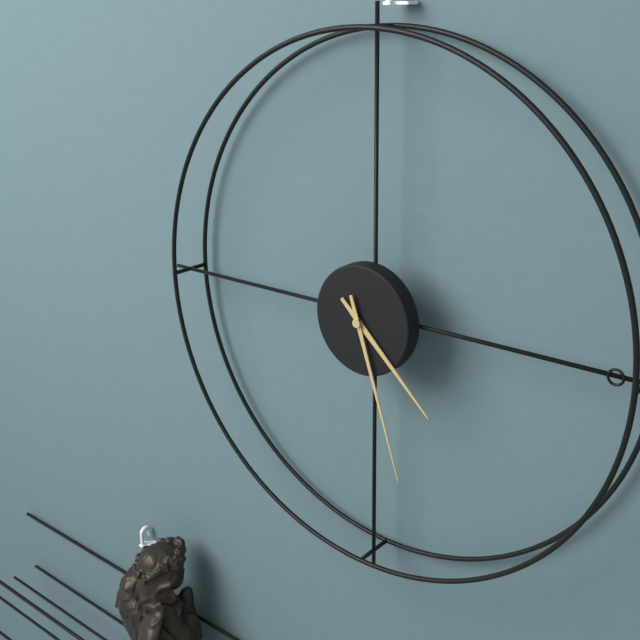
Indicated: 4 h 27 min
